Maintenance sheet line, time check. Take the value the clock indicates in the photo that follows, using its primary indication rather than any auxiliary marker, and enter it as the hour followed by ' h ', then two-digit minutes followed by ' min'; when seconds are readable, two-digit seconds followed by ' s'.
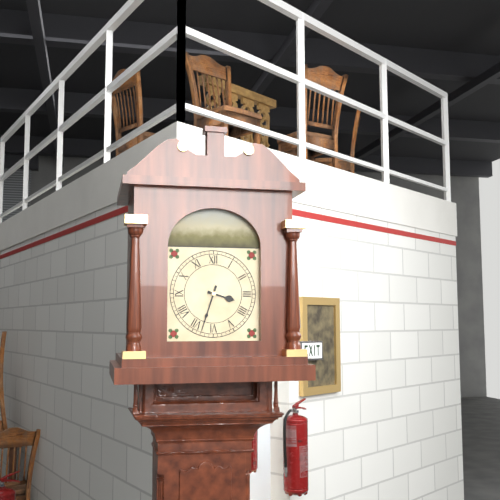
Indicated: 3 h 33 min
